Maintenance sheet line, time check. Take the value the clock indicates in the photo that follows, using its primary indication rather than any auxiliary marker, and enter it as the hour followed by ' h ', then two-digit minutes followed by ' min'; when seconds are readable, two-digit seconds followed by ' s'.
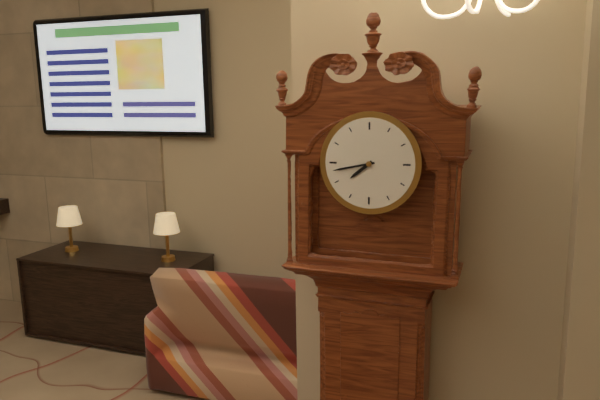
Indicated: 7 h 43 min
